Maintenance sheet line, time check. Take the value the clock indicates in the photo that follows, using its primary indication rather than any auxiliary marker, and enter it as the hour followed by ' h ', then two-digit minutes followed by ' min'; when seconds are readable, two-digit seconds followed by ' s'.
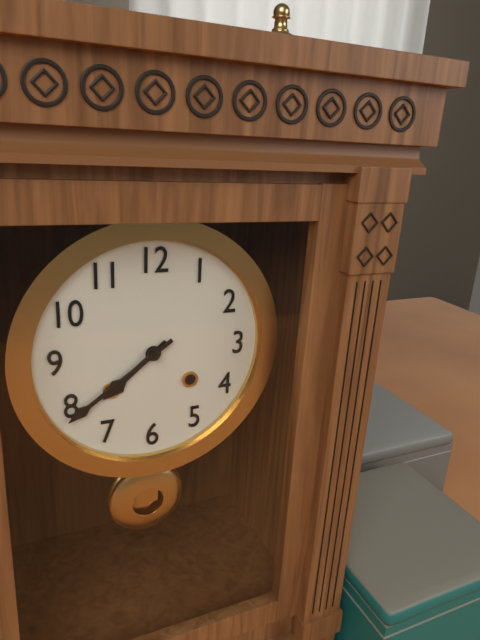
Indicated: 7 h 39 min
